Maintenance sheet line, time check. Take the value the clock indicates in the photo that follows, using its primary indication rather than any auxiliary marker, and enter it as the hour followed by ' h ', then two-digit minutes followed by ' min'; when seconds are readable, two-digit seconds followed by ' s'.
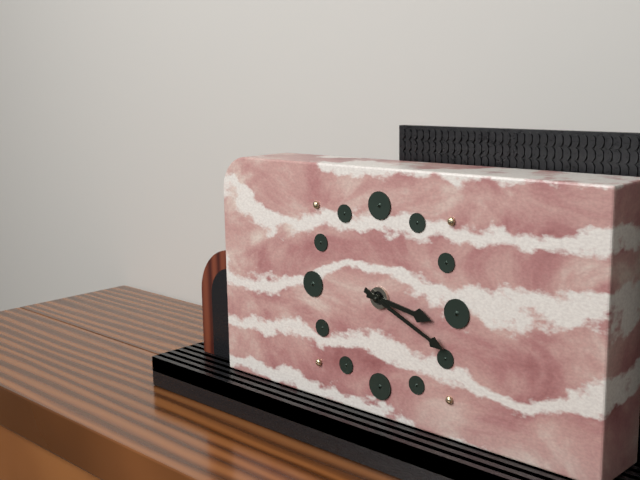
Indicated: 3 h 19 min
